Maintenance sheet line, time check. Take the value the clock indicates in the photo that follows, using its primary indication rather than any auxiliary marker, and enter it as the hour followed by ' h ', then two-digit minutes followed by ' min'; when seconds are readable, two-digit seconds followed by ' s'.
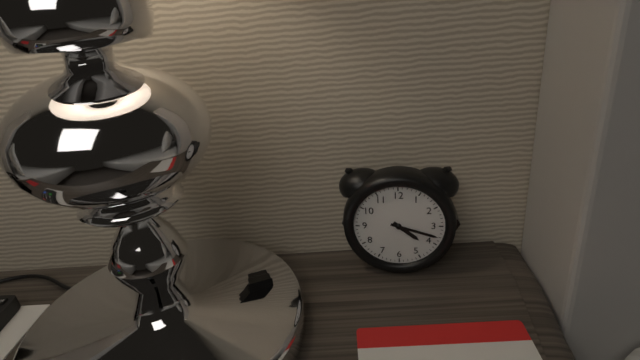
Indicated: 4 h 18 min
